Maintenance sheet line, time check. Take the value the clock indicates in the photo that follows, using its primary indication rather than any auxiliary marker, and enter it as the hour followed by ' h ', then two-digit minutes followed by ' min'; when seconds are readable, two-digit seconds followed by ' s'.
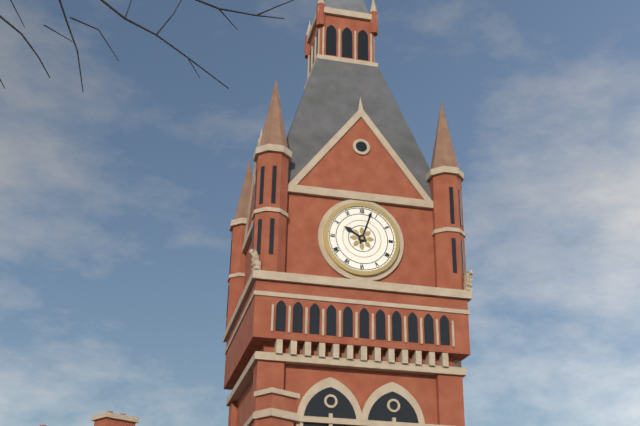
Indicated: 10 h 03 min
